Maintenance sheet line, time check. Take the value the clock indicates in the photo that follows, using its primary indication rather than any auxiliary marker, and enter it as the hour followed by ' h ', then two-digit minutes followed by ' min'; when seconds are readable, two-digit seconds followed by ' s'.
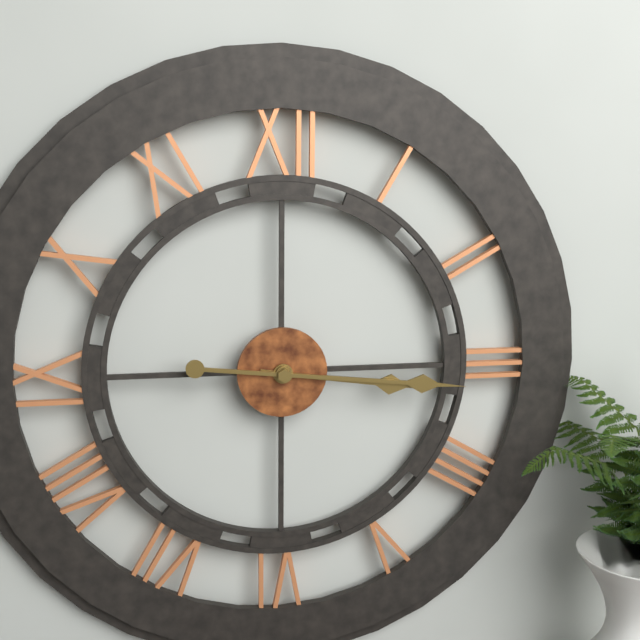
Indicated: 3 h 16 min
